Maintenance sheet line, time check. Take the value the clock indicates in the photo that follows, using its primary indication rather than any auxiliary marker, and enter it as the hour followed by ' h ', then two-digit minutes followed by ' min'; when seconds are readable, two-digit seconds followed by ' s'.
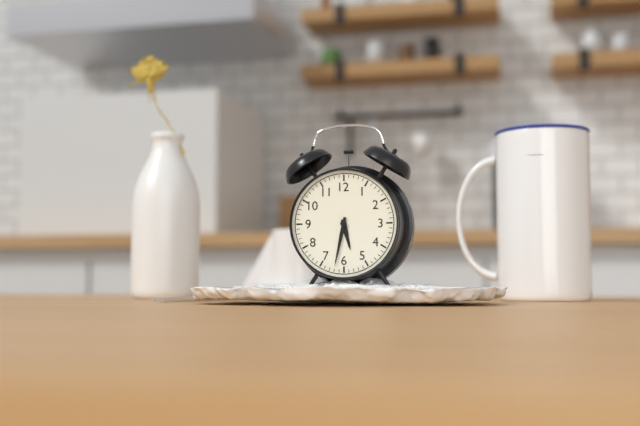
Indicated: 5 h 32 min
